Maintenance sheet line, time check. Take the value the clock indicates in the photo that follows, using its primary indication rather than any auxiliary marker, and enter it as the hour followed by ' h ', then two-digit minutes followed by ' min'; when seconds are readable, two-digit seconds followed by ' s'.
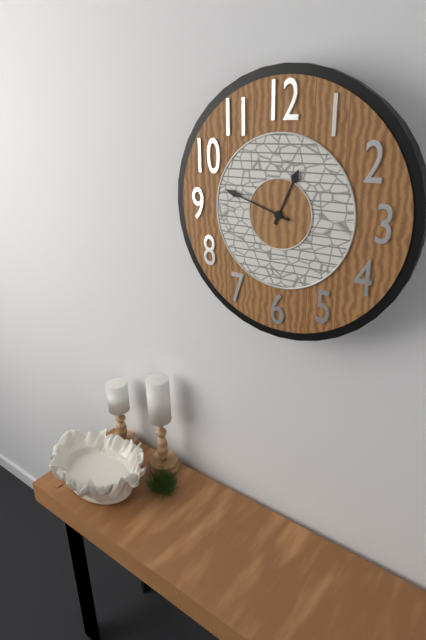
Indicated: 12 h 48 min
